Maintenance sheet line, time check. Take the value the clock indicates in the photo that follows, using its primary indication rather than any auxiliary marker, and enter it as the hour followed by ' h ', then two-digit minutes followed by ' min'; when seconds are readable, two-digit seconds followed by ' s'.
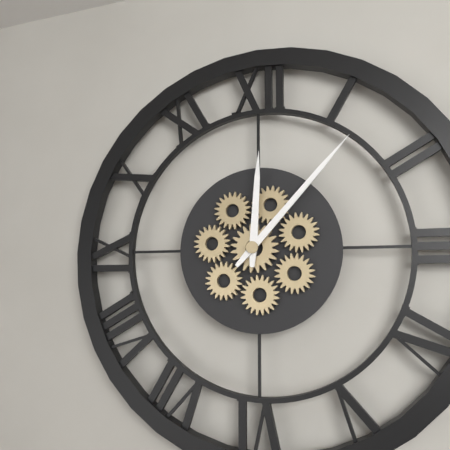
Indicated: 12 h 07 min
